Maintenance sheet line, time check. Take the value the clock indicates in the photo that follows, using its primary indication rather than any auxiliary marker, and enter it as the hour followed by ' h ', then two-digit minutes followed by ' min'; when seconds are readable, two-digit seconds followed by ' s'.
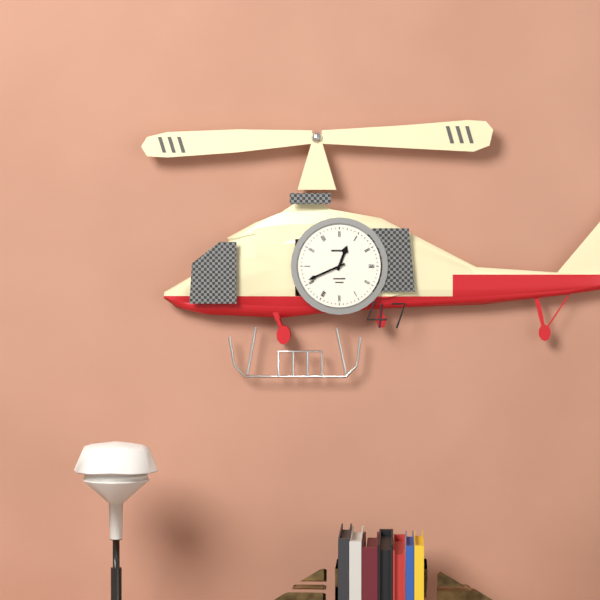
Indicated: 12 h 41 min
